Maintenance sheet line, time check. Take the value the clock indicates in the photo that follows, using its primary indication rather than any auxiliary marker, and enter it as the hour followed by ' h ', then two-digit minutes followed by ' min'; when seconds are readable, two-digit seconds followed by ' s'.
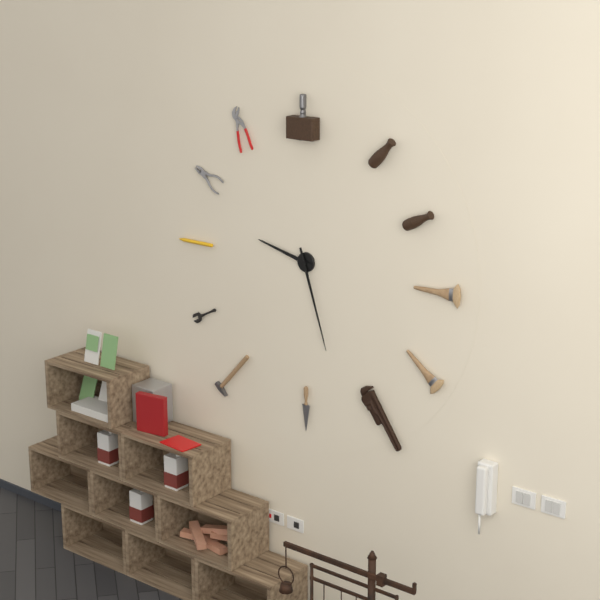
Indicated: 9 h 27 min
